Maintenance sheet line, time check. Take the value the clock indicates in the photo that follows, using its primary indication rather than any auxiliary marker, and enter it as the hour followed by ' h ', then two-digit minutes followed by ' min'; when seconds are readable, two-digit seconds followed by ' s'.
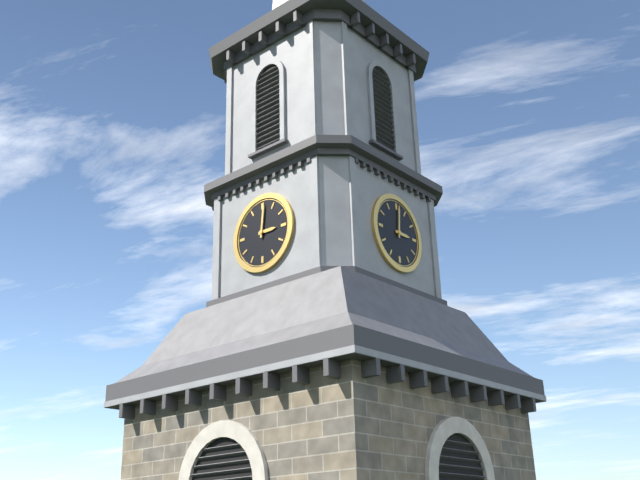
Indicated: 3 h 01 min
